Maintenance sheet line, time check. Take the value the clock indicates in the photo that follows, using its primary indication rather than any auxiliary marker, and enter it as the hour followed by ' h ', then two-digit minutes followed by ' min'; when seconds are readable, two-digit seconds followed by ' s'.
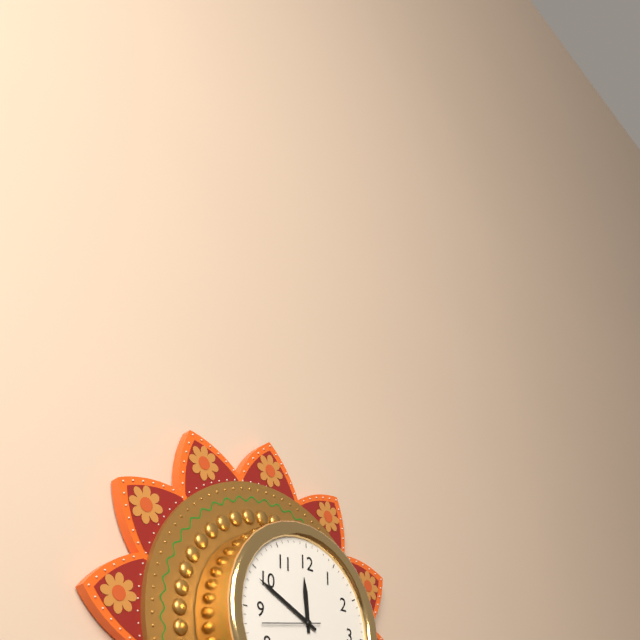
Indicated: 11 h 49 min
